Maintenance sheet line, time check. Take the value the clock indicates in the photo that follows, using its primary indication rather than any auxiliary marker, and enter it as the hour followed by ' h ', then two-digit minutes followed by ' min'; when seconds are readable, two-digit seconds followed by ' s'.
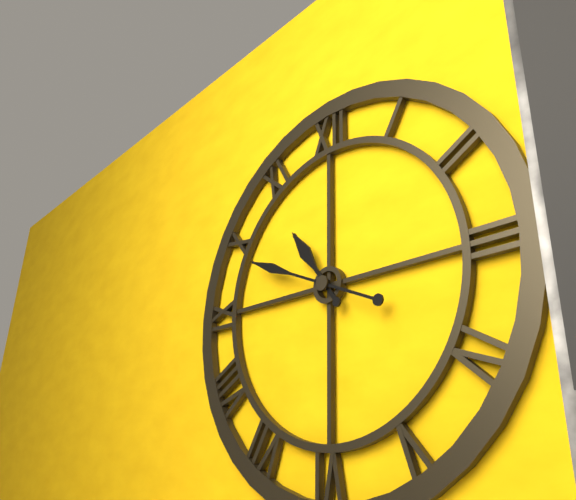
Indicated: 10 h 49 min
